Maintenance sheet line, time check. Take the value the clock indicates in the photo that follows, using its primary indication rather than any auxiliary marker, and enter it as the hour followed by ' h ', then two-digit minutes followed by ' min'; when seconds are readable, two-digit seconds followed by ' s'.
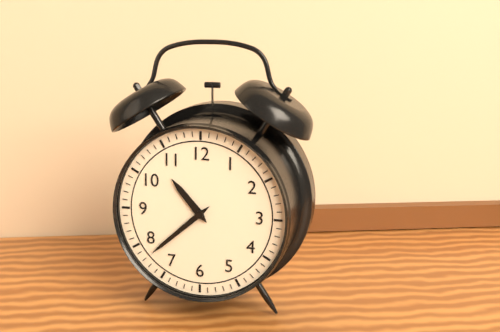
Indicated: 10 h 38 min
